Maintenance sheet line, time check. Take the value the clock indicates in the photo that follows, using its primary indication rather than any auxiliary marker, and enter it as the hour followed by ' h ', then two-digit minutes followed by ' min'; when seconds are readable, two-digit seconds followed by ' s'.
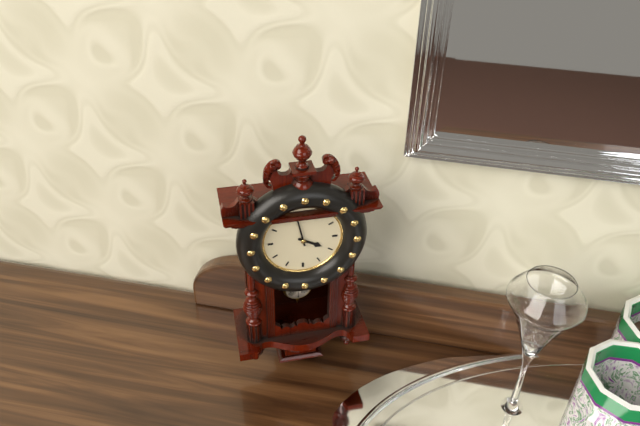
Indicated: 3 h 58 min
